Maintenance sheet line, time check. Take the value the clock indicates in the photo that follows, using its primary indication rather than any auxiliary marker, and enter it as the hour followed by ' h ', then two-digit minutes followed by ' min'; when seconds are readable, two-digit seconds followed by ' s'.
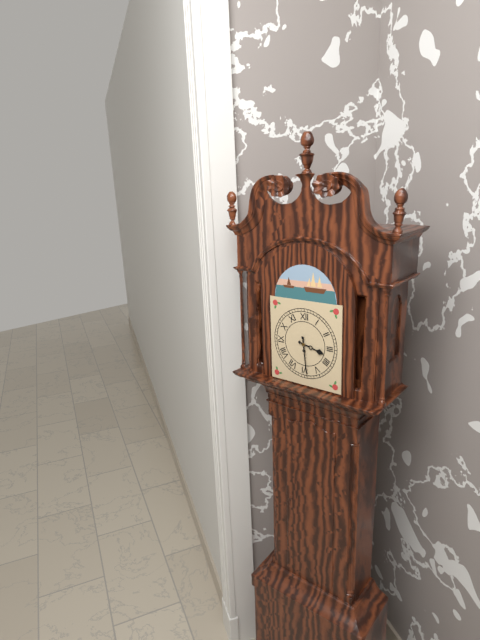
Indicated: 3 h 29 min
